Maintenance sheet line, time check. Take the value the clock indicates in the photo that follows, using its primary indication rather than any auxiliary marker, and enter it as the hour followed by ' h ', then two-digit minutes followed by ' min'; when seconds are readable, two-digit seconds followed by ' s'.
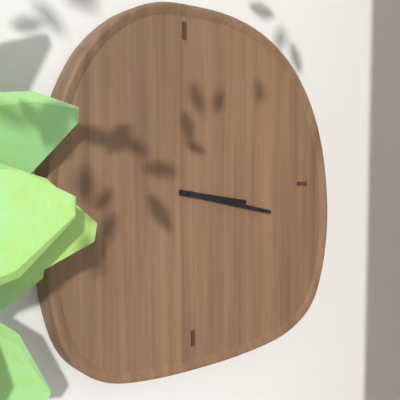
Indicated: 3 h 17 min
